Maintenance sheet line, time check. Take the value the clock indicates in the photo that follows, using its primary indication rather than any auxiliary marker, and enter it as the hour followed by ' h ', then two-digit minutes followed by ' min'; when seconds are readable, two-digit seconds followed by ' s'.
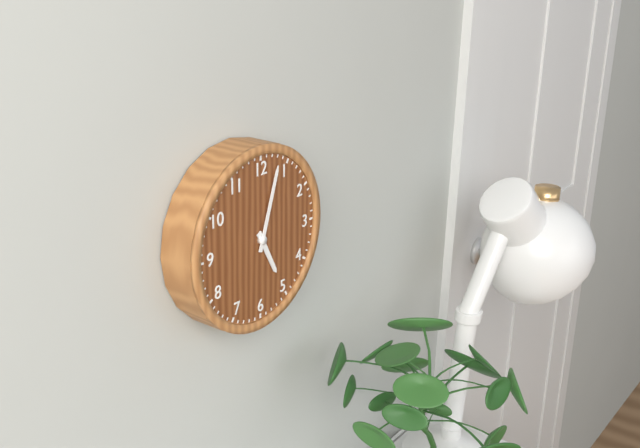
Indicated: 5 h 03 min
